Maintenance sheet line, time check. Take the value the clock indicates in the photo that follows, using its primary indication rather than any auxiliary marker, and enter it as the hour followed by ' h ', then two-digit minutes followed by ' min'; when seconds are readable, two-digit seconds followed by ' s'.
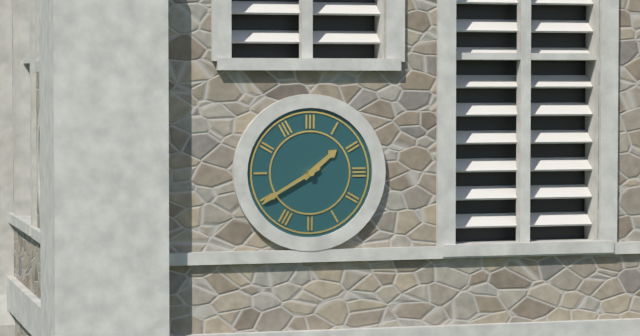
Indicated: 1 h 40 min
